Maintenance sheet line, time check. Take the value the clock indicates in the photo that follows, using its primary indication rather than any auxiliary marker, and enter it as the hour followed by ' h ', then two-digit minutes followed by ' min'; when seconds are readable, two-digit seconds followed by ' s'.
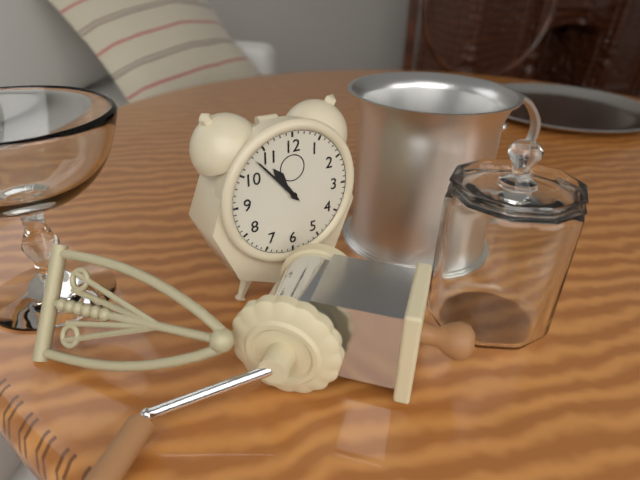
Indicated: 10 h 53 min
